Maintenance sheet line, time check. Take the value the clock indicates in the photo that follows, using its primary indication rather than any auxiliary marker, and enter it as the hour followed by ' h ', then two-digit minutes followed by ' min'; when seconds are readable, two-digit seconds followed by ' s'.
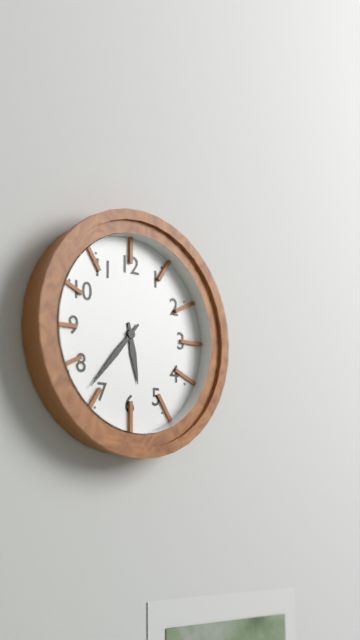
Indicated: 5 h 37 min
